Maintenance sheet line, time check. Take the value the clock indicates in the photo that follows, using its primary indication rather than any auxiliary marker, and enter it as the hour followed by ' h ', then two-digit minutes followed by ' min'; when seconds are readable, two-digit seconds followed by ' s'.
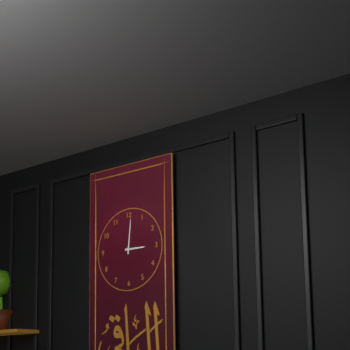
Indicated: 3 h 01 min
